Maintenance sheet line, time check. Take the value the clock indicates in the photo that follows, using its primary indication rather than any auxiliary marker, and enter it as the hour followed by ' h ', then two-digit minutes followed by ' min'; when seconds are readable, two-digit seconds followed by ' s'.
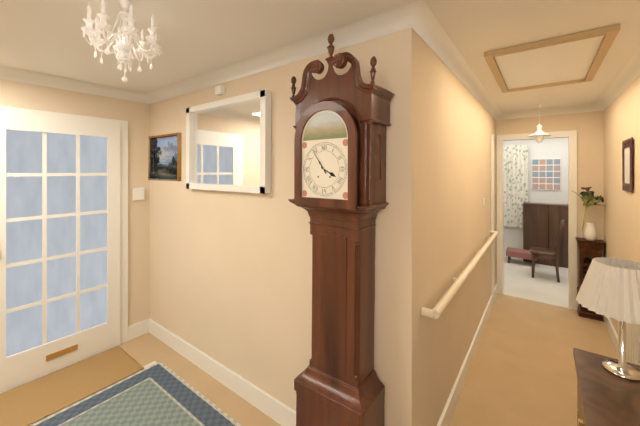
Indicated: 3 h 54 min
